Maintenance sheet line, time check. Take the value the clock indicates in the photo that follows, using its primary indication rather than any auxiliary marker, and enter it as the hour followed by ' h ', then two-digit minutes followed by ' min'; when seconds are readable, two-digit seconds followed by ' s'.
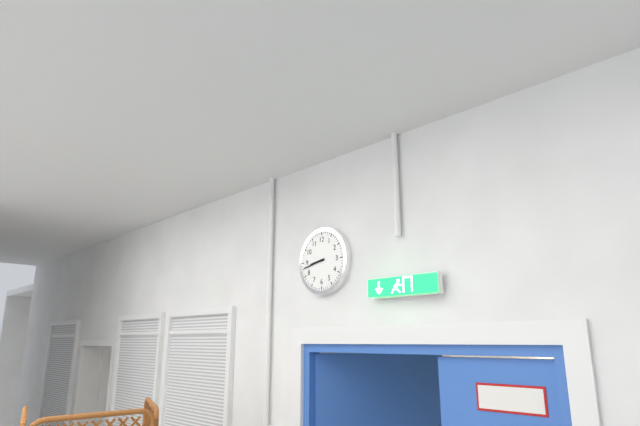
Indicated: 8 h 43 min
